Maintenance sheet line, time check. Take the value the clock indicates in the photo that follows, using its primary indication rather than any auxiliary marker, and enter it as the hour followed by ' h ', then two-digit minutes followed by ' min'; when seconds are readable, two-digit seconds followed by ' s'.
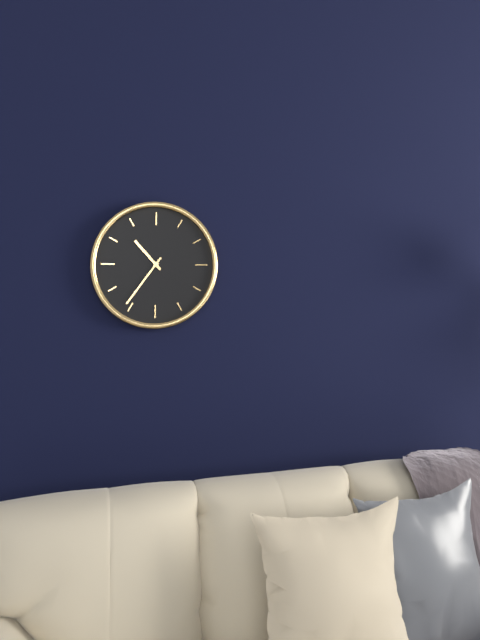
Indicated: 10 h 36 min
